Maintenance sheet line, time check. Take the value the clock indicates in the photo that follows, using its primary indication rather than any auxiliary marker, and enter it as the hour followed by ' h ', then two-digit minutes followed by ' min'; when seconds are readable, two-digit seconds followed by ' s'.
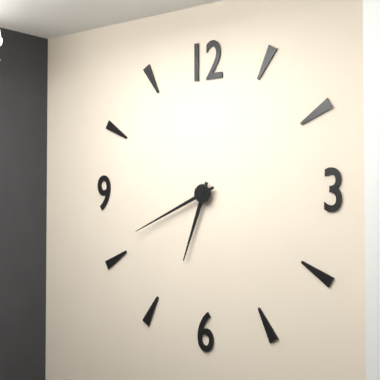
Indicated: 6 h 41 min
